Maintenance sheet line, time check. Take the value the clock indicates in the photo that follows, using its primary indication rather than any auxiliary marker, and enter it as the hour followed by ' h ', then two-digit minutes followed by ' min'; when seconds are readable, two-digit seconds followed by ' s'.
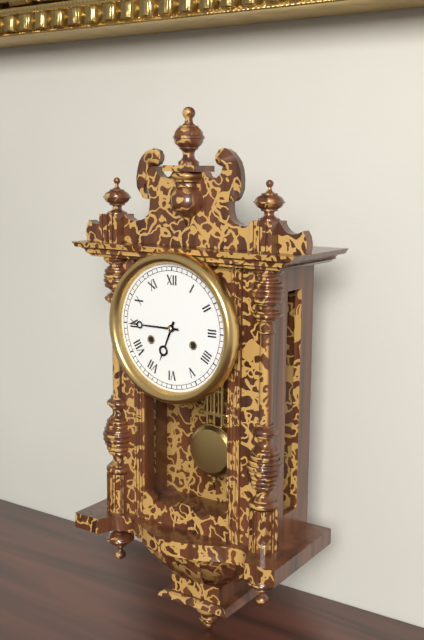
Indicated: 6 h 45 min
